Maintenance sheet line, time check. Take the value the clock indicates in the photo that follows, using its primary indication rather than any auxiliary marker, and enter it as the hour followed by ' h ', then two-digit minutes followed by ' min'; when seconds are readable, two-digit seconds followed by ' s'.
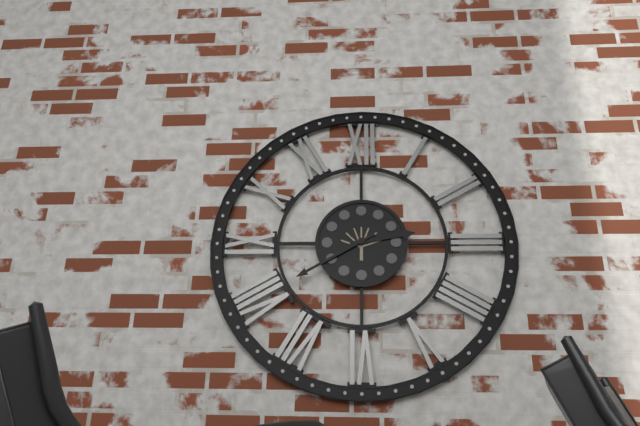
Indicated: 2 h 40 min
